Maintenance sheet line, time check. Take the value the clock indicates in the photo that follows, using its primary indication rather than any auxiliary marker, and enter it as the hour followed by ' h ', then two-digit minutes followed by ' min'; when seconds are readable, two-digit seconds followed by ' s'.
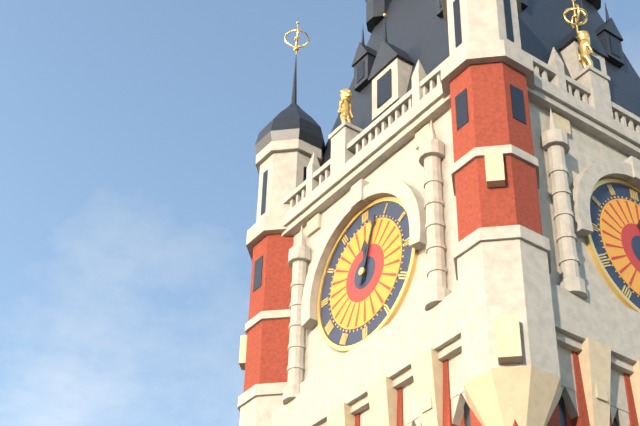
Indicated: 12 h 03 min
